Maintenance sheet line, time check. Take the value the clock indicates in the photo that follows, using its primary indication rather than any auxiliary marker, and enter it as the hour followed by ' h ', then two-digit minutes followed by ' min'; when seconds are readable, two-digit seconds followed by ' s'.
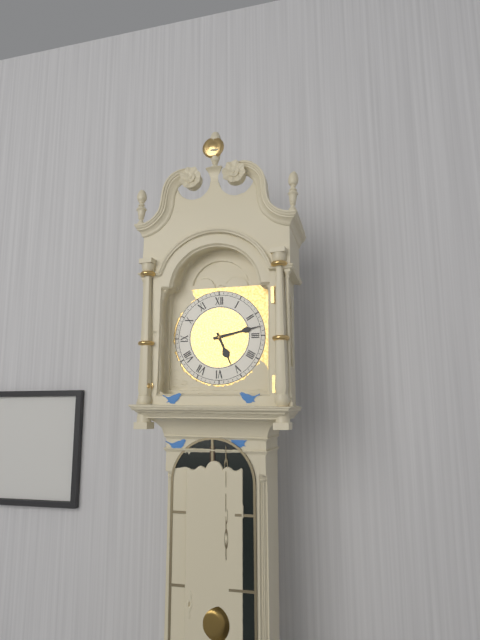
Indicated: 5 h 13 min
